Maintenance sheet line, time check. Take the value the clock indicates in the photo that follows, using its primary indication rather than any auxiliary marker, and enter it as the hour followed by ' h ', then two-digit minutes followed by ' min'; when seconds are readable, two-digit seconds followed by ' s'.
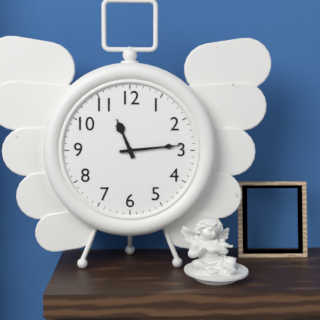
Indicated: 11 h 14 min
